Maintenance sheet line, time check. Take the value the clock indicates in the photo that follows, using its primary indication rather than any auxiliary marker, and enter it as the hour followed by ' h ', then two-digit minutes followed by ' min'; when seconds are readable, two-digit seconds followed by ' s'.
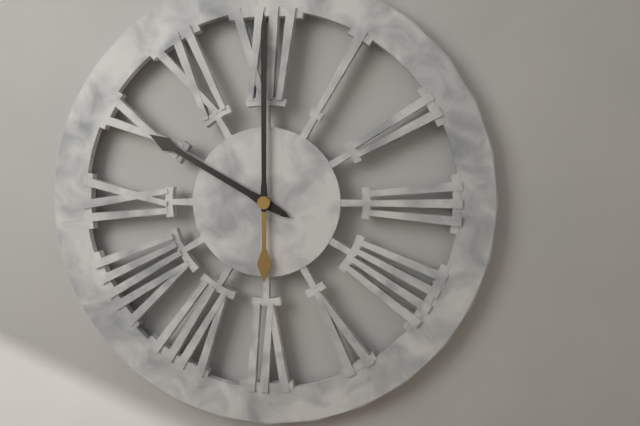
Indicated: 10 h 00 min
